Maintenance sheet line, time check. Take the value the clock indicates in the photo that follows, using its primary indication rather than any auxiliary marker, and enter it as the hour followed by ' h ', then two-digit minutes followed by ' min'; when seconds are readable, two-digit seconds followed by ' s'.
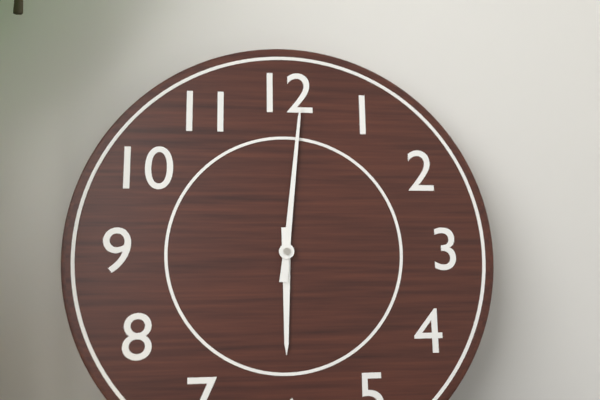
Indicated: 6 h 01 min
